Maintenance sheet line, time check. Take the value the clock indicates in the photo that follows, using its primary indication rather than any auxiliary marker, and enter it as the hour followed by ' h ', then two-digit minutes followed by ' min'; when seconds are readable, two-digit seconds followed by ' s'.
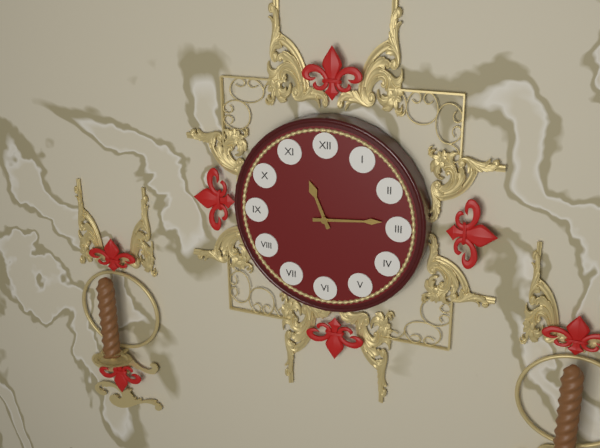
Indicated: 11 h 14 min
